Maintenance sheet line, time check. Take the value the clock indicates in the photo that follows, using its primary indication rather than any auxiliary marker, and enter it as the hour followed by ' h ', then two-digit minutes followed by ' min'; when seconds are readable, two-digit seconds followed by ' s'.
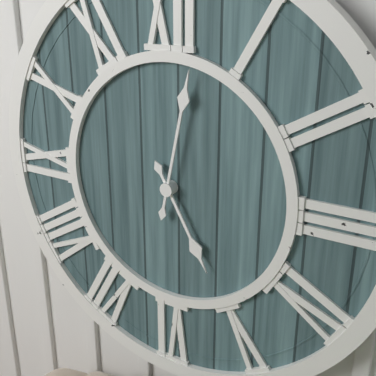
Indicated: 5 h 02 min
